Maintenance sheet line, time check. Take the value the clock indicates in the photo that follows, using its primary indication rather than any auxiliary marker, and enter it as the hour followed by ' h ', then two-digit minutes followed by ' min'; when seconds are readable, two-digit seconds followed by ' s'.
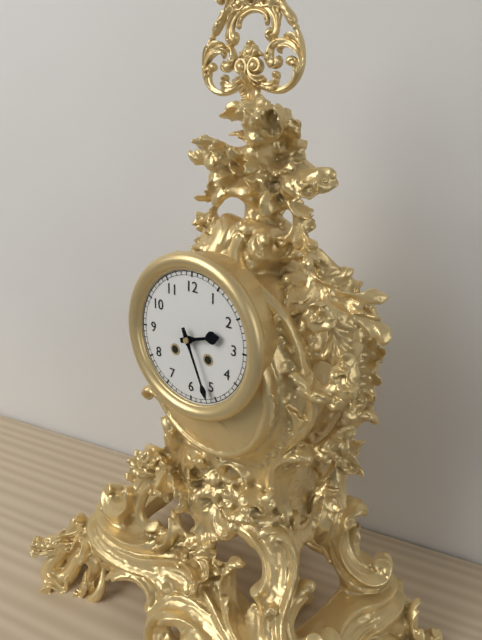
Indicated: 2 h 26 min
